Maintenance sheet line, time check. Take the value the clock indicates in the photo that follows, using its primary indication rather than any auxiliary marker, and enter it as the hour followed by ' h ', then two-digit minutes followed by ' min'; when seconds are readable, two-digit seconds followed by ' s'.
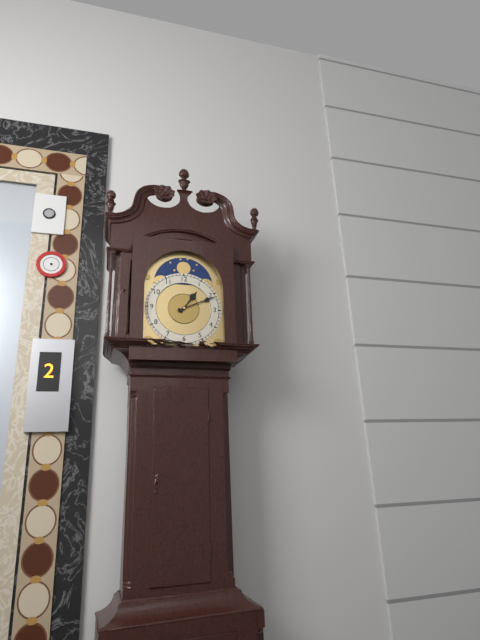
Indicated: 1 h 11 min
